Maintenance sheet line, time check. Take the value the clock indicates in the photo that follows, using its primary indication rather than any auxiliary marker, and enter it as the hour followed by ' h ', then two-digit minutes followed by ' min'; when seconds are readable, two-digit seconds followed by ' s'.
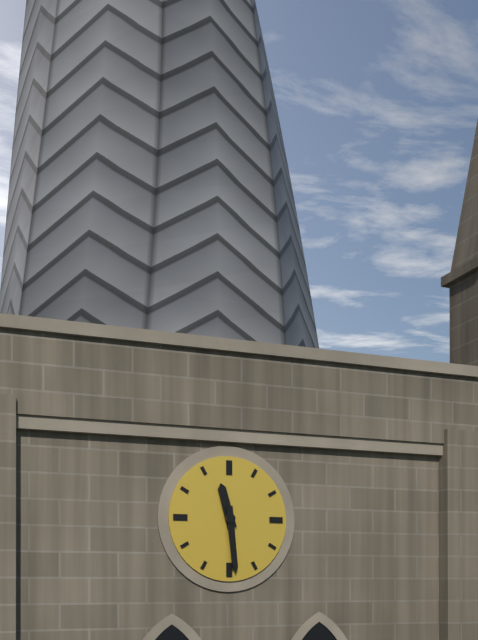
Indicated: 11 h 29 min
